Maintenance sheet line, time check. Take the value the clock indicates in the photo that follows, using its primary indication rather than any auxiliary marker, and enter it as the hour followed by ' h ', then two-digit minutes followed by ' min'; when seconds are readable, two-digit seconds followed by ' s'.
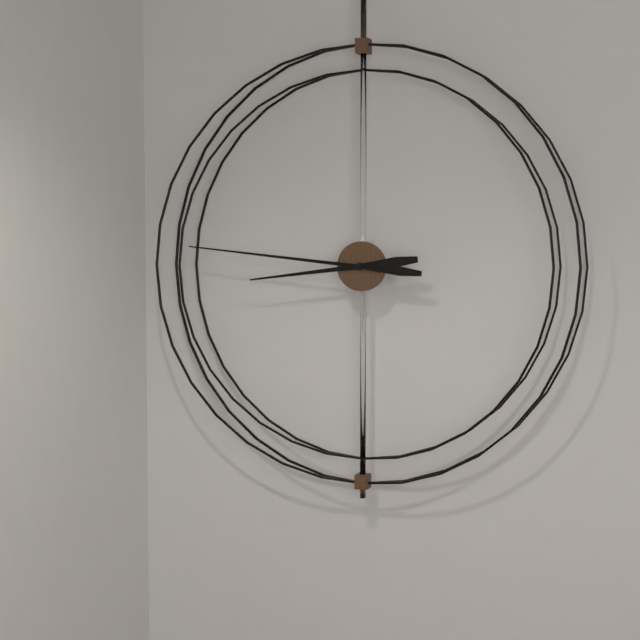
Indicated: 8 h 46 min
